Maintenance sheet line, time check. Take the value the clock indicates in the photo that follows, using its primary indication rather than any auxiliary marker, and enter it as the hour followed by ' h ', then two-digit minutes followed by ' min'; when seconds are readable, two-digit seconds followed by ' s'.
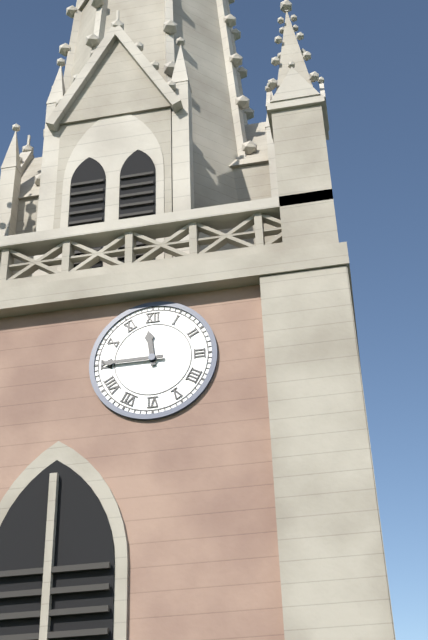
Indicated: 11 h 45 min
